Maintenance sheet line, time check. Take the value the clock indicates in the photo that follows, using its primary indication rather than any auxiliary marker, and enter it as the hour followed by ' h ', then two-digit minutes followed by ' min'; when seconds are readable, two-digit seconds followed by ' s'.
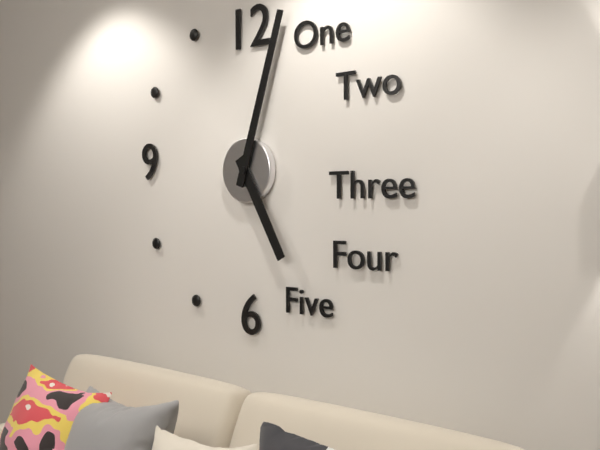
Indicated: 5 h 03 min
